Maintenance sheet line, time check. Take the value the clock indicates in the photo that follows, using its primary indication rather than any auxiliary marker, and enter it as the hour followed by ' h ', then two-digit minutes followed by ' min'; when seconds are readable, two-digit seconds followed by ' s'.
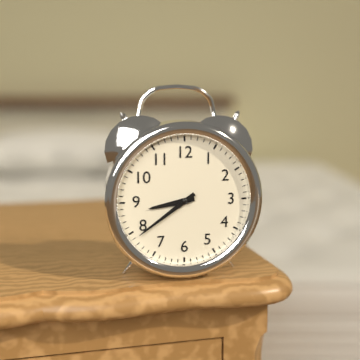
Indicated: 8 h 39 min
